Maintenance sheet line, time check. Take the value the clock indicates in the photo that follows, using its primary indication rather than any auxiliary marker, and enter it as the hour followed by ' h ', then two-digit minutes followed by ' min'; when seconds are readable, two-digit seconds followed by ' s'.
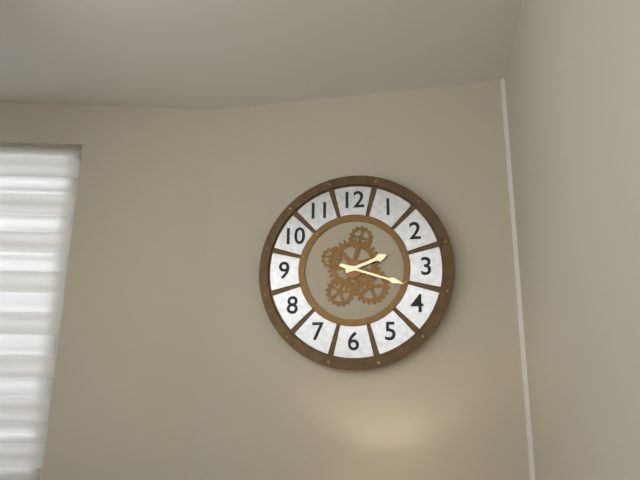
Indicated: 2 h 18 min
